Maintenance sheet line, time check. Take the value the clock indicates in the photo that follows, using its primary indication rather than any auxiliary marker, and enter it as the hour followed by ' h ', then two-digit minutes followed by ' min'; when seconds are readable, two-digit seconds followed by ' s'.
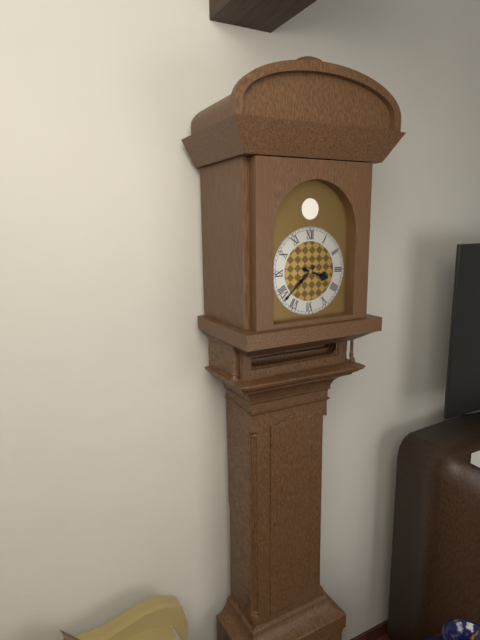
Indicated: 3 h 38 min
